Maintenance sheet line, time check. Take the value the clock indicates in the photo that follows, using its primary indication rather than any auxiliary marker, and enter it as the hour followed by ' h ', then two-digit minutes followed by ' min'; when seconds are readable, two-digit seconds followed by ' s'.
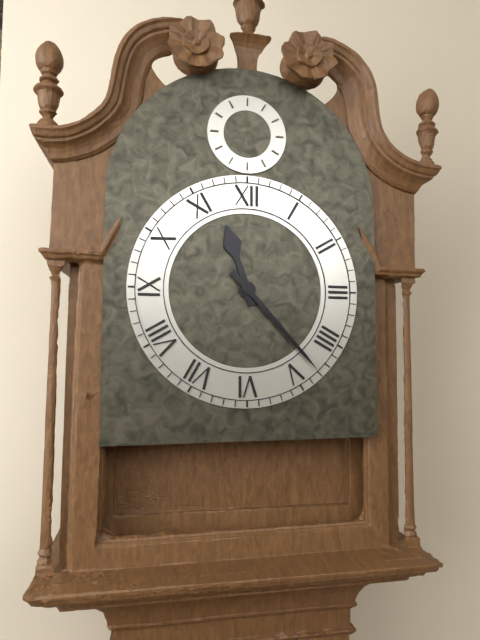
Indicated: 11 h 23 min
